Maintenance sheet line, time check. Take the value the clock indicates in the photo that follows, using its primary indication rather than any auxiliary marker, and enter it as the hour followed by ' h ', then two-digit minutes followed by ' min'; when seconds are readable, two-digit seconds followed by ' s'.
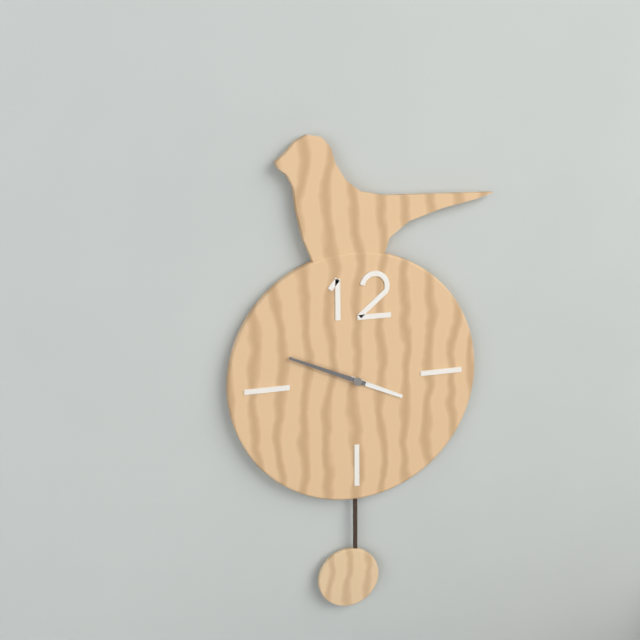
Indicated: 3 h 49 min
